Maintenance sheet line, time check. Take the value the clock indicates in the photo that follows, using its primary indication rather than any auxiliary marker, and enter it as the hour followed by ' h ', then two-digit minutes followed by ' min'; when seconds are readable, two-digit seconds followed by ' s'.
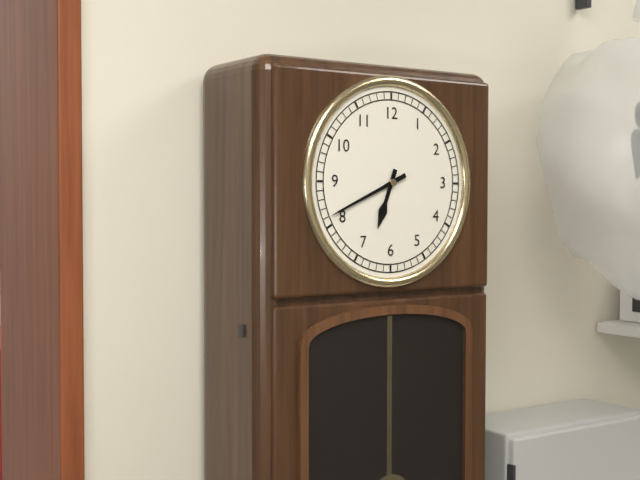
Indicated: 6 h 41 min
